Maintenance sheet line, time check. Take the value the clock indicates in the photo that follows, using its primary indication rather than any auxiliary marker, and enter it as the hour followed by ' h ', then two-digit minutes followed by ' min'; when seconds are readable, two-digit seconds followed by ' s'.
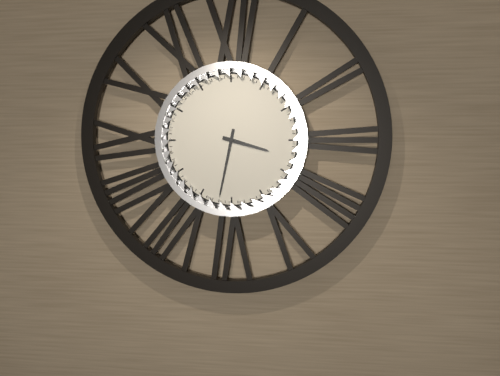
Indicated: 3 h 32 min
